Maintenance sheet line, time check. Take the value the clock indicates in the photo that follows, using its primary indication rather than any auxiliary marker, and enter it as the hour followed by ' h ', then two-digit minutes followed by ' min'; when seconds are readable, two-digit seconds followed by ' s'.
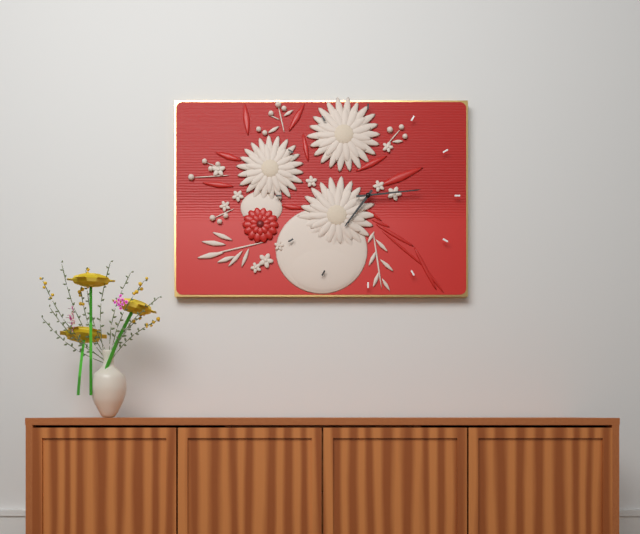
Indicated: 7 h 14 min
